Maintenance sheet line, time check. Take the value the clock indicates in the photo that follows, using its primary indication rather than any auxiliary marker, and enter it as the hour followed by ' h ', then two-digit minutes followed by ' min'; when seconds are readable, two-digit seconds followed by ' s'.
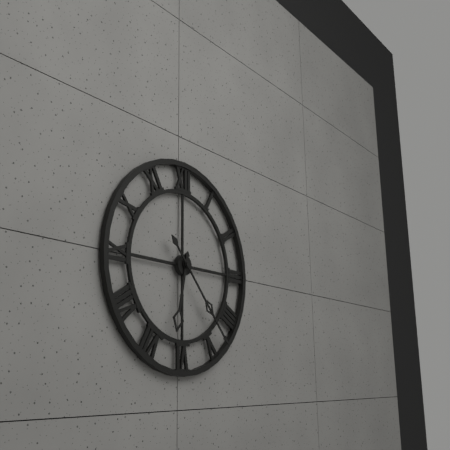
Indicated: 6 h 23 min
